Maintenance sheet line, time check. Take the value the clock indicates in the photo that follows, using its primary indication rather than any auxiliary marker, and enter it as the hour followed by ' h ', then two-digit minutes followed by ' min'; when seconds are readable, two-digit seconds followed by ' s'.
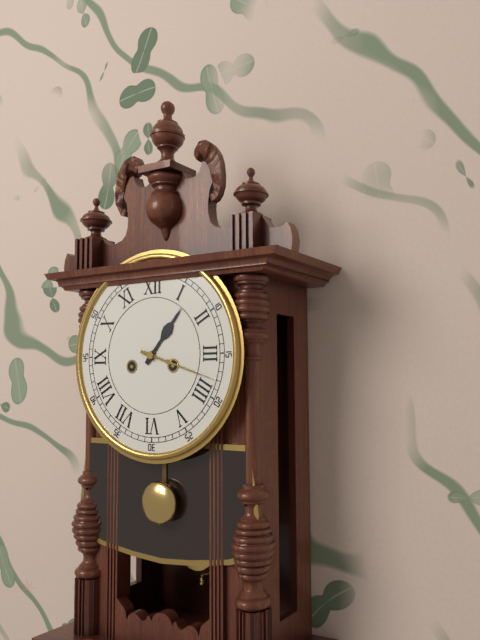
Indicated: 1 h 18 min
